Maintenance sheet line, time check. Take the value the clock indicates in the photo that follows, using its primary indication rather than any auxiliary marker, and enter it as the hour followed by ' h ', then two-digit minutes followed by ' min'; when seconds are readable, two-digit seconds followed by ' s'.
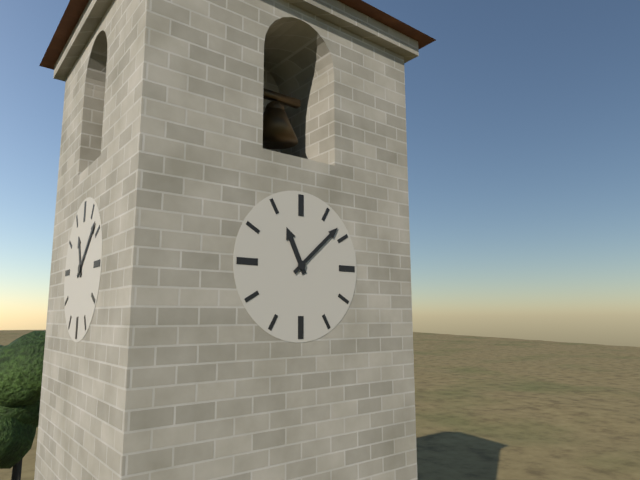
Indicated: 11 h 08 min
